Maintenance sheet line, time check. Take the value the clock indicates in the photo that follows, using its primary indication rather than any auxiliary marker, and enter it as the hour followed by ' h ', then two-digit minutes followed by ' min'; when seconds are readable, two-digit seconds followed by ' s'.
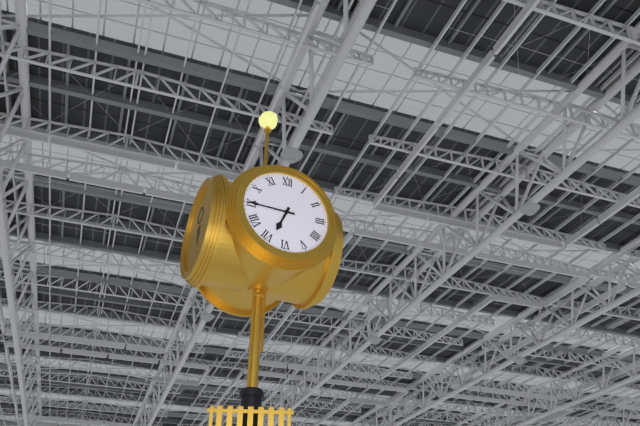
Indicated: 6 h 45 min
